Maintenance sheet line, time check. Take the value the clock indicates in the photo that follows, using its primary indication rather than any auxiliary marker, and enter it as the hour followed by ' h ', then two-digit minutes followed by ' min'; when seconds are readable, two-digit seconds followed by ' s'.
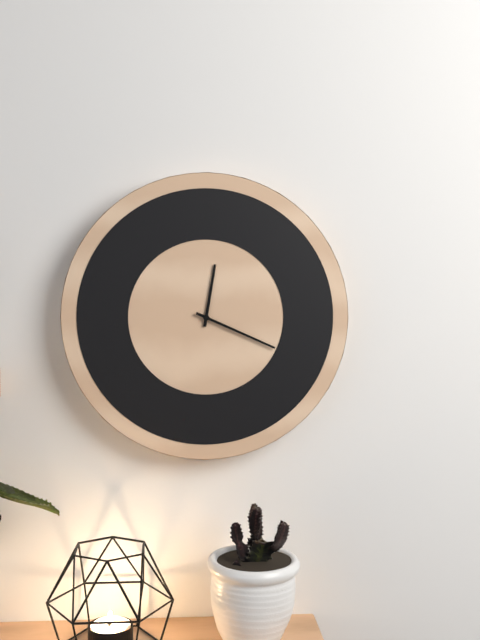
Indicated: 12 h 19 min
